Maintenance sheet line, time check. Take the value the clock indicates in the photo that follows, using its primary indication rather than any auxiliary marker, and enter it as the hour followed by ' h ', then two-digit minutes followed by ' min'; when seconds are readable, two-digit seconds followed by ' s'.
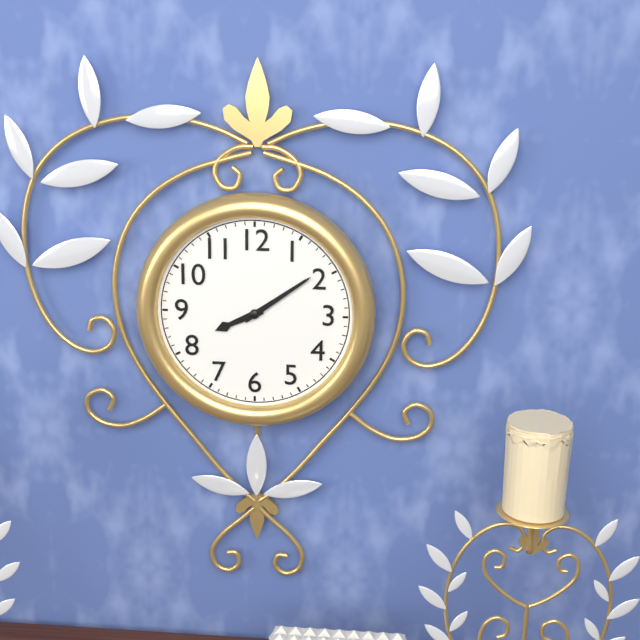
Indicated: 8 h 09 min
